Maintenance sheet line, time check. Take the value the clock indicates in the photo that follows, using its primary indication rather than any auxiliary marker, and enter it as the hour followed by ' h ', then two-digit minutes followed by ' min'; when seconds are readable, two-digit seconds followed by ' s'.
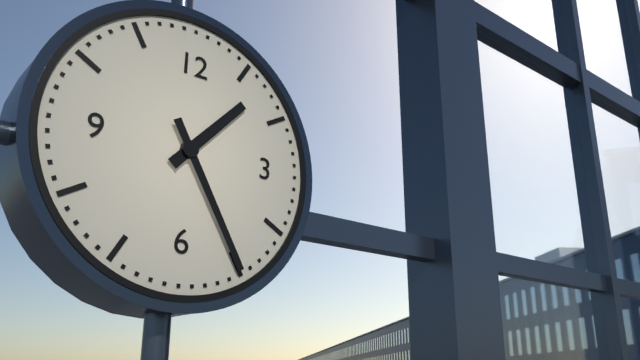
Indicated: 1 h 25 min
